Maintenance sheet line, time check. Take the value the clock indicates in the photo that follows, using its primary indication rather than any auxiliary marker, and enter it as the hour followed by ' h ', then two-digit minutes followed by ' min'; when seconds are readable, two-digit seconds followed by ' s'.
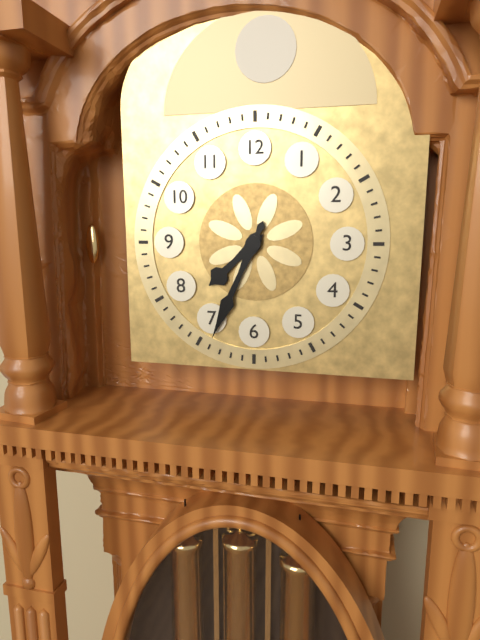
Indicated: 7 h 34 min
